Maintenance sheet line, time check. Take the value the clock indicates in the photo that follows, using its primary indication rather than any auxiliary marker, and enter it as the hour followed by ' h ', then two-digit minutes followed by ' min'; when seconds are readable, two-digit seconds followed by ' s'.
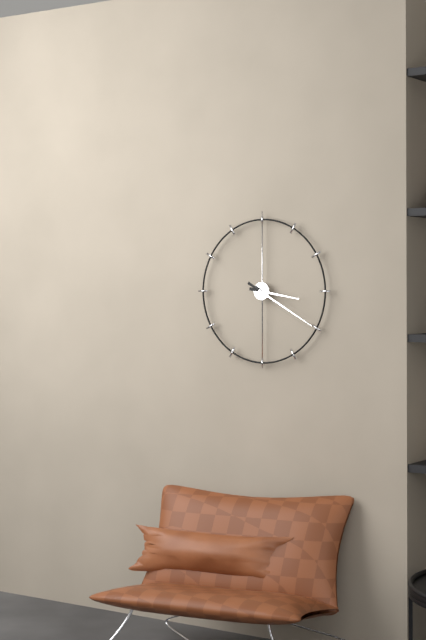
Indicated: 3 h 20 min
